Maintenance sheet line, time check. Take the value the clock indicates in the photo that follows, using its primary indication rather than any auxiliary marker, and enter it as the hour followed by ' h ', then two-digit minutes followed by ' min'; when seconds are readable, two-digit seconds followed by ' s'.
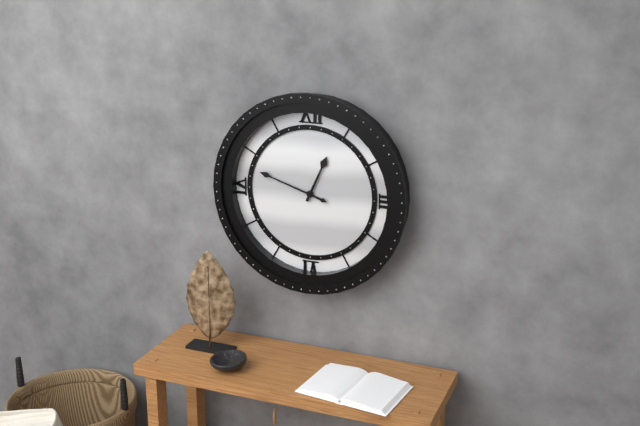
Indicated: 12 h 48 min
